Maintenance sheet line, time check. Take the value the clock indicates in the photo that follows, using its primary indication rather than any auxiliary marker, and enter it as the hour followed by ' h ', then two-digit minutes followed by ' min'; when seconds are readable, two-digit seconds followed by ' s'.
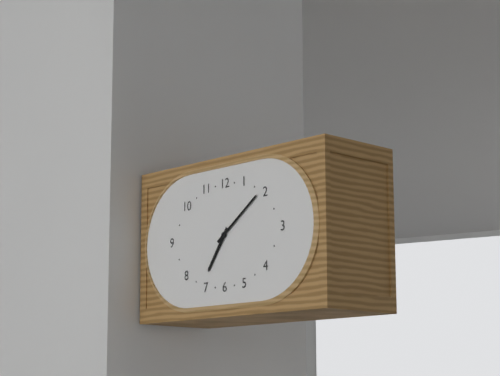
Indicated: 7 h 09 min
